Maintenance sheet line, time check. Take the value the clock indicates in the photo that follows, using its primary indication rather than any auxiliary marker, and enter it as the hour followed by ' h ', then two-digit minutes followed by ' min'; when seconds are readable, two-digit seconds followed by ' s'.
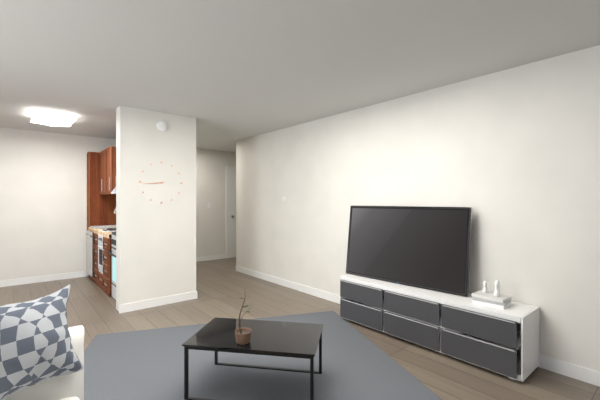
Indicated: 8 h 44 min
